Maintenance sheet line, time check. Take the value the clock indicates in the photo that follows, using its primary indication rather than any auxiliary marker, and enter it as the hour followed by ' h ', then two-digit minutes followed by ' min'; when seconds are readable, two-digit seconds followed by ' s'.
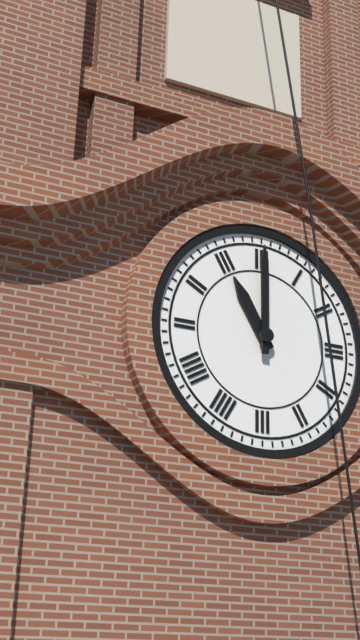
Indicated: 11 h 00 min
